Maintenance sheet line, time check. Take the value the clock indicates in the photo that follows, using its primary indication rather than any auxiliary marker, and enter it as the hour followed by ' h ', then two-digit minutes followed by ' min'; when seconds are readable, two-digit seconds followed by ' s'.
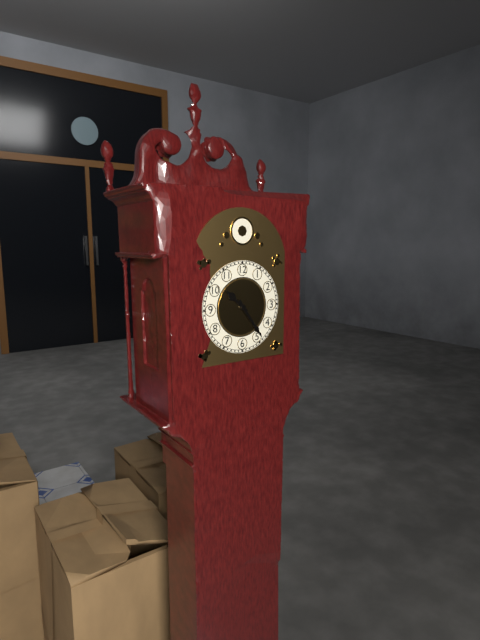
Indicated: 10 h 24 min
